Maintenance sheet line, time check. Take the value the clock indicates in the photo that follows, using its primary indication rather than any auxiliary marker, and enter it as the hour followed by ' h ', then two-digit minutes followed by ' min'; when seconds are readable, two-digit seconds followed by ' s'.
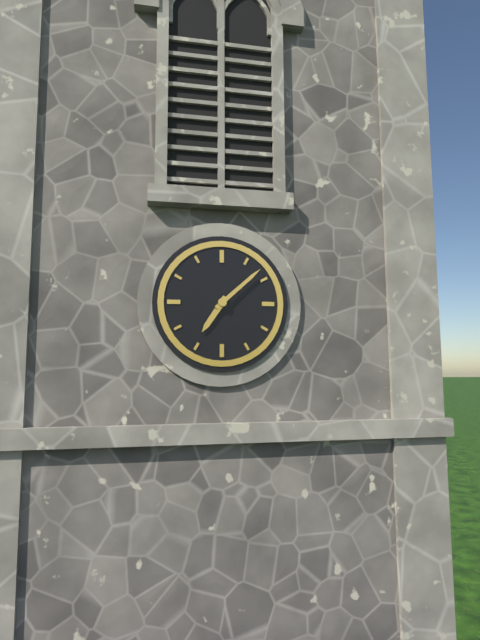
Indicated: 7 h 08 min
